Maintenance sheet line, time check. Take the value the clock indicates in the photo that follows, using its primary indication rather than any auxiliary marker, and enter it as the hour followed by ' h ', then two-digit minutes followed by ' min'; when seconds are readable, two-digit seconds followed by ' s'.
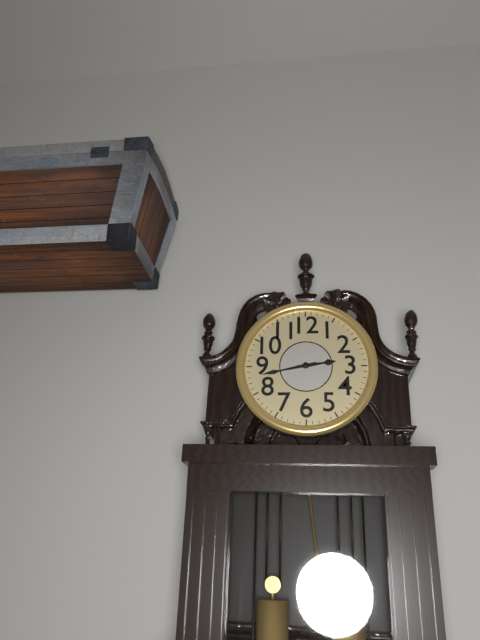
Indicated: 2 h 43 min
